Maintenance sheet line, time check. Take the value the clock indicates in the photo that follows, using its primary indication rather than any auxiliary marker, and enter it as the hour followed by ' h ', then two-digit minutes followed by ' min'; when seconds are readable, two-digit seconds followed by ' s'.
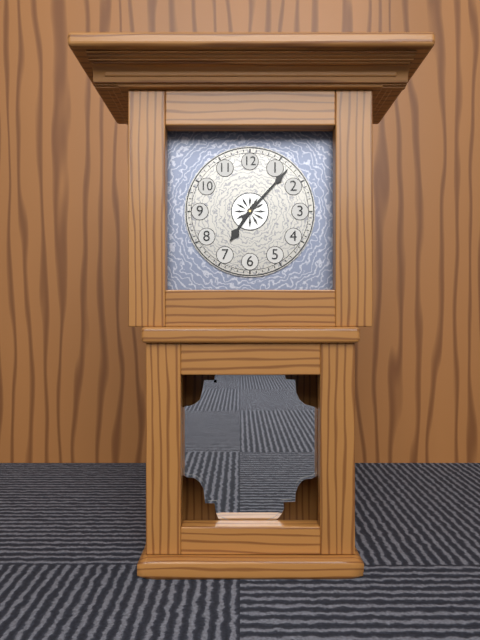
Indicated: 7 h 07 min
